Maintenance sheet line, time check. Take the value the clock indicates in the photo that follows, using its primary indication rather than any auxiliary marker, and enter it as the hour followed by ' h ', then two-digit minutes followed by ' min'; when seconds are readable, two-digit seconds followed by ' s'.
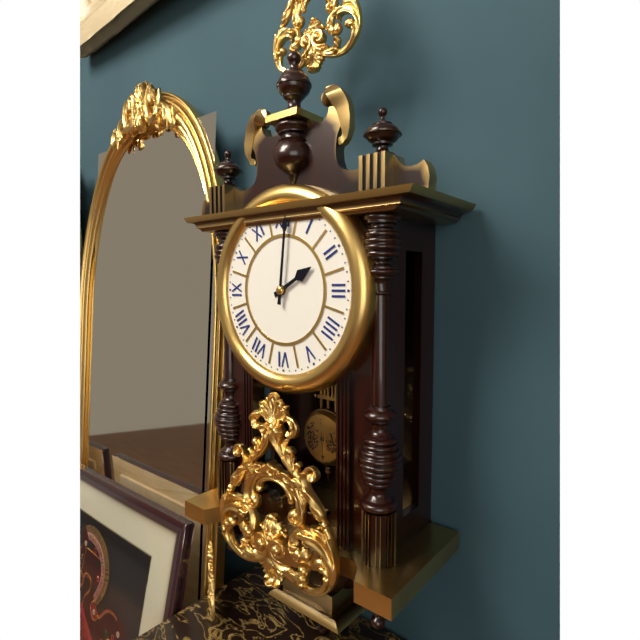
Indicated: 2 h 01 min
